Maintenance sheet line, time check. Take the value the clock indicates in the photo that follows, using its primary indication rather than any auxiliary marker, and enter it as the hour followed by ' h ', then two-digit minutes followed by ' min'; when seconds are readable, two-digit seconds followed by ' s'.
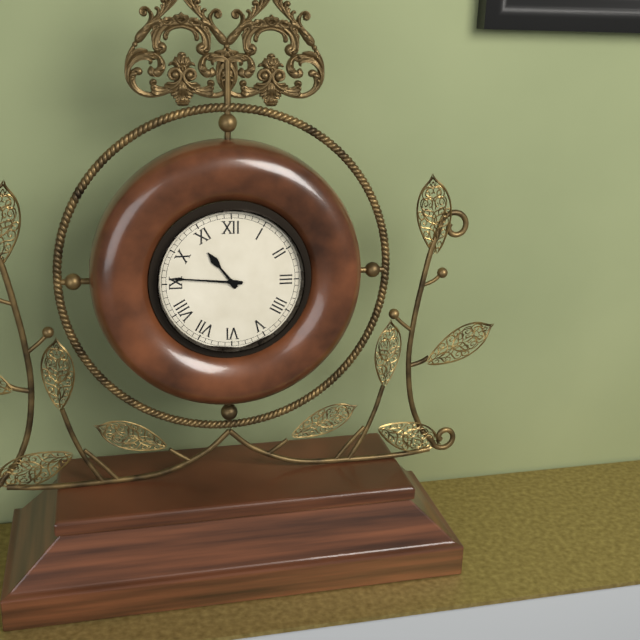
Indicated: 10 h 46 min
